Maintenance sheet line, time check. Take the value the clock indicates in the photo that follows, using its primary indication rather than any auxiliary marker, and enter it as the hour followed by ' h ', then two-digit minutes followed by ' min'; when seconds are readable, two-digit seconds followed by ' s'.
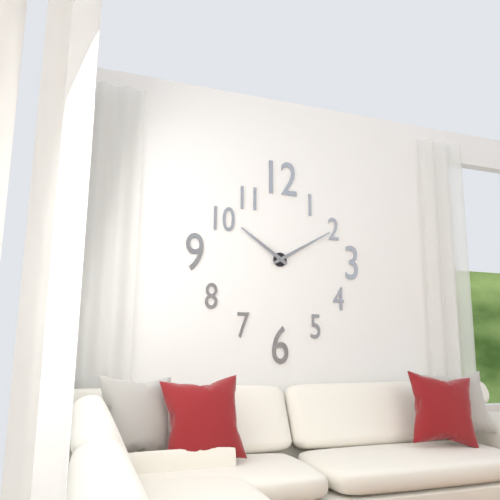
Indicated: 10 h 10 min
